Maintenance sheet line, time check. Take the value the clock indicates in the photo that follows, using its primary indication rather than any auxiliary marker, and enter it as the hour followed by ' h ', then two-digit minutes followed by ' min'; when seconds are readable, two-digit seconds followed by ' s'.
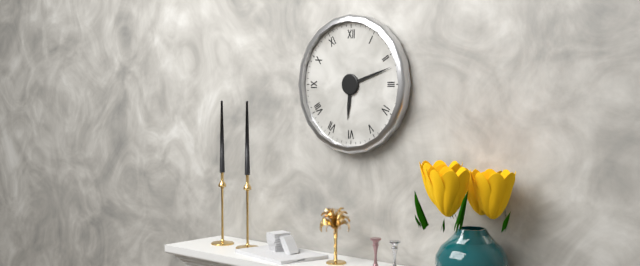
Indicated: 6 h 12 min
